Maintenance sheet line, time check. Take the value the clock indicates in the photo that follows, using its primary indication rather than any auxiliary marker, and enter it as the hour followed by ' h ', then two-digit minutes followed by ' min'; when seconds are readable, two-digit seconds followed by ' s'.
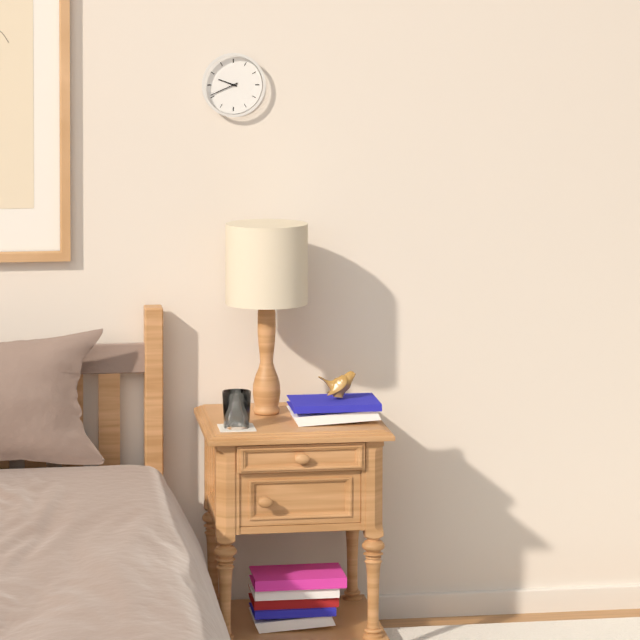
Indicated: 9 h 41 min
